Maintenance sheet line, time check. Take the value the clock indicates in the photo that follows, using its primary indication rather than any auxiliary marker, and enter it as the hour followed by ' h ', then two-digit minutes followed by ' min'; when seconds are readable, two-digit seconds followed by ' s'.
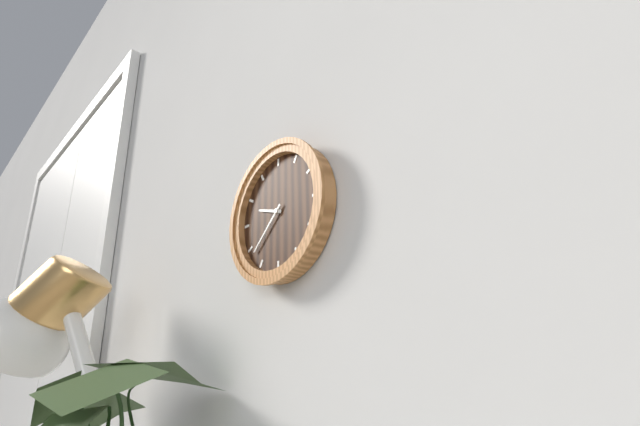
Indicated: 9 h 38 min
